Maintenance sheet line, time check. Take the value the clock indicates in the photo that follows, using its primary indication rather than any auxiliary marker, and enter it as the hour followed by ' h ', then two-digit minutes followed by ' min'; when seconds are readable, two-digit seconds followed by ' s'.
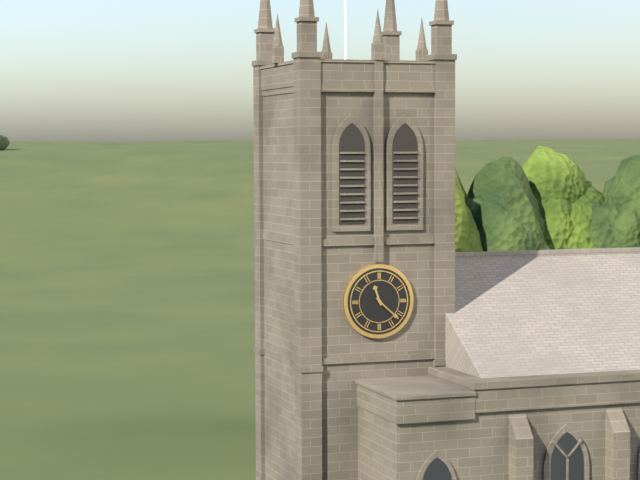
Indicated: 11 h 22 min
